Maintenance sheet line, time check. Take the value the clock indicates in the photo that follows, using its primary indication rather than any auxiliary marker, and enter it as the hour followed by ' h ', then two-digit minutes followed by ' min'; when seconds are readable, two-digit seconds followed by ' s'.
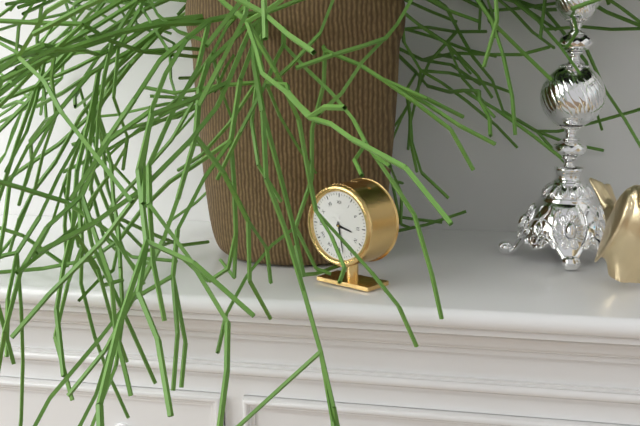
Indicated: 3 h 28 min
